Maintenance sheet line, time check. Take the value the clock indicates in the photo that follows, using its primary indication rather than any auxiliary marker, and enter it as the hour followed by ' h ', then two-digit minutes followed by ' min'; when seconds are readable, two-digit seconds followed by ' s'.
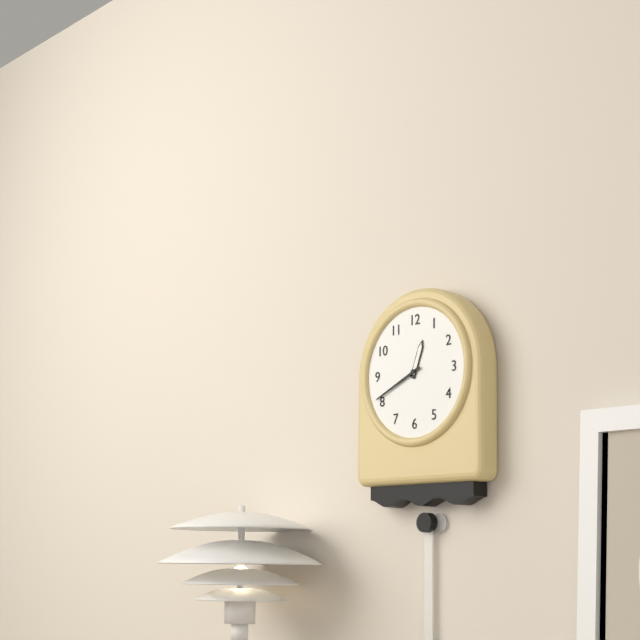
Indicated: 12 h 41 min
